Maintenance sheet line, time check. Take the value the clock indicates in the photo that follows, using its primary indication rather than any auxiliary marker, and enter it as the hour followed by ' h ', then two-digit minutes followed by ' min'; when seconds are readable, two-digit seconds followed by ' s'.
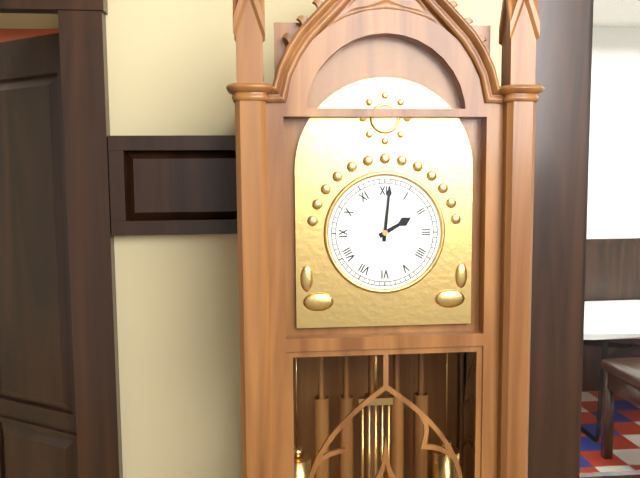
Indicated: 2 h 01 min
